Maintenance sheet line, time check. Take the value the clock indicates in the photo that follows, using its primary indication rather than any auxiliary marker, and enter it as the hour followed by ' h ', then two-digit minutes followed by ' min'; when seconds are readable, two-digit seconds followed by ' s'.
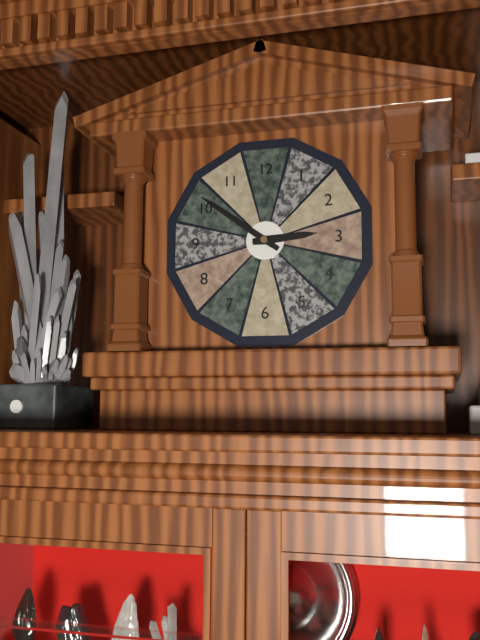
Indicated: 2 h 51 min
